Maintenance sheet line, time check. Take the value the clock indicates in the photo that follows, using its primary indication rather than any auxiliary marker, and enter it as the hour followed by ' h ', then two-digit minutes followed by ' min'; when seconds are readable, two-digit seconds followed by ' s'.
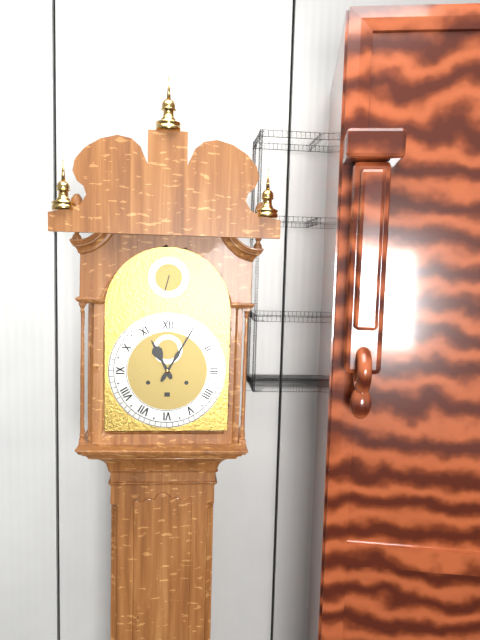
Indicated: 11 h 05 min
